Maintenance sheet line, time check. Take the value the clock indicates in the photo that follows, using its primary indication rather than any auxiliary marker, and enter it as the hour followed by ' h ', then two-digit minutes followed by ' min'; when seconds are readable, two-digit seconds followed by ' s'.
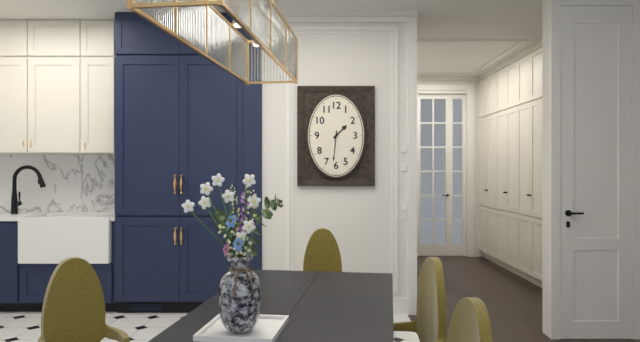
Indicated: 1 h 31 min
